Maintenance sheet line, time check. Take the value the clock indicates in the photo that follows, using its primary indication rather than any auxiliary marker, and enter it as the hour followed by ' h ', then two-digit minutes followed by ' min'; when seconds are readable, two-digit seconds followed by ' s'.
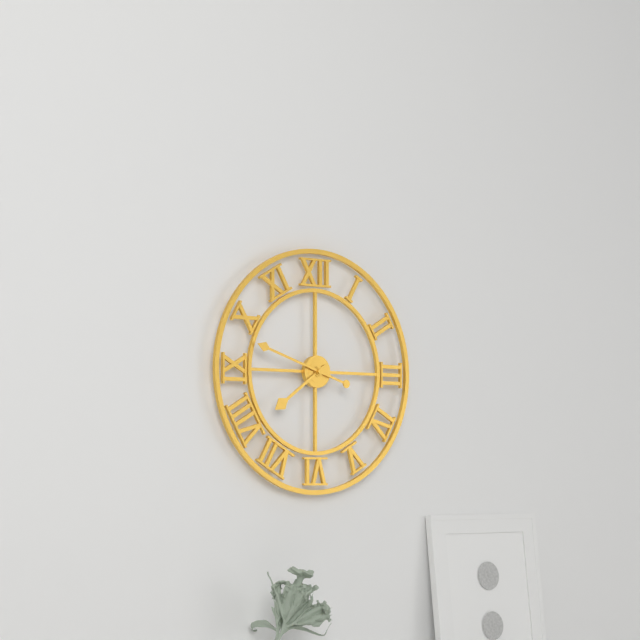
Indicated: 7 h 48 min
